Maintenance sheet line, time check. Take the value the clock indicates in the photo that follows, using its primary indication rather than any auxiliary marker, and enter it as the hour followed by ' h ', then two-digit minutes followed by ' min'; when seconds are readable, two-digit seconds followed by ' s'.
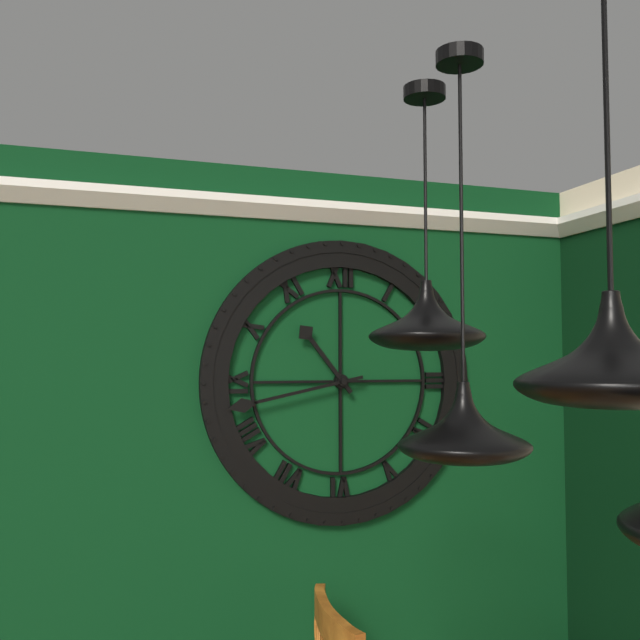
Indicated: 10 h 43 min
